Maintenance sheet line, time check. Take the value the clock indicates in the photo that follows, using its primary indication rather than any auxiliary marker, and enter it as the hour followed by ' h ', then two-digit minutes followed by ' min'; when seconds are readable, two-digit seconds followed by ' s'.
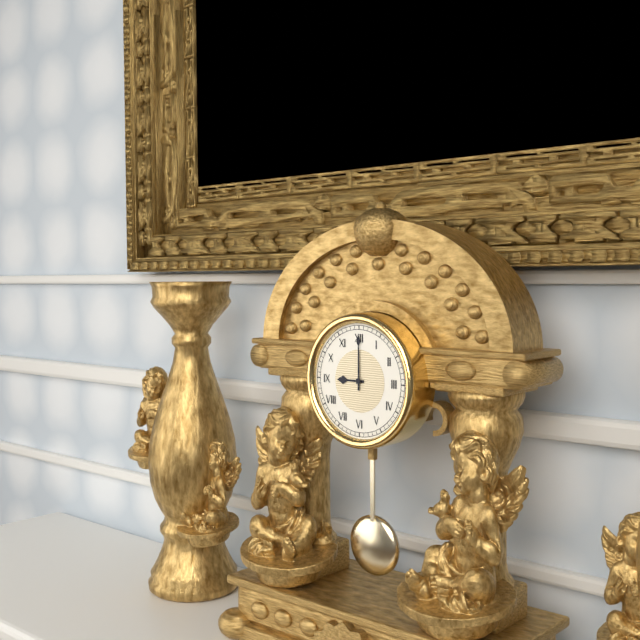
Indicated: 9 h 00 min
